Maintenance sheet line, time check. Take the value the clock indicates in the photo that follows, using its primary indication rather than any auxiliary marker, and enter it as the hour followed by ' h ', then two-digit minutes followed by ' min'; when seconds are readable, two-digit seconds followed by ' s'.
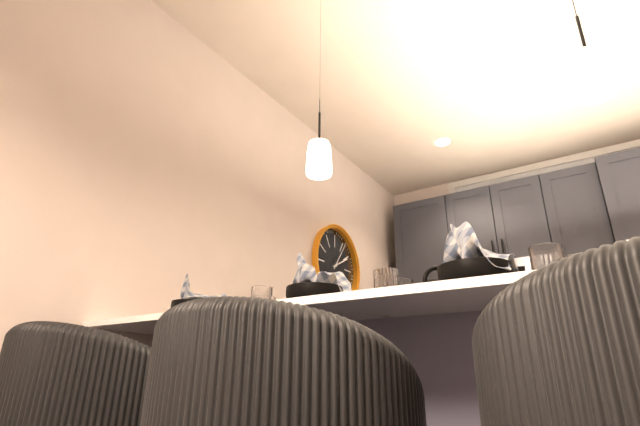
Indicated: 2 h 06 min
